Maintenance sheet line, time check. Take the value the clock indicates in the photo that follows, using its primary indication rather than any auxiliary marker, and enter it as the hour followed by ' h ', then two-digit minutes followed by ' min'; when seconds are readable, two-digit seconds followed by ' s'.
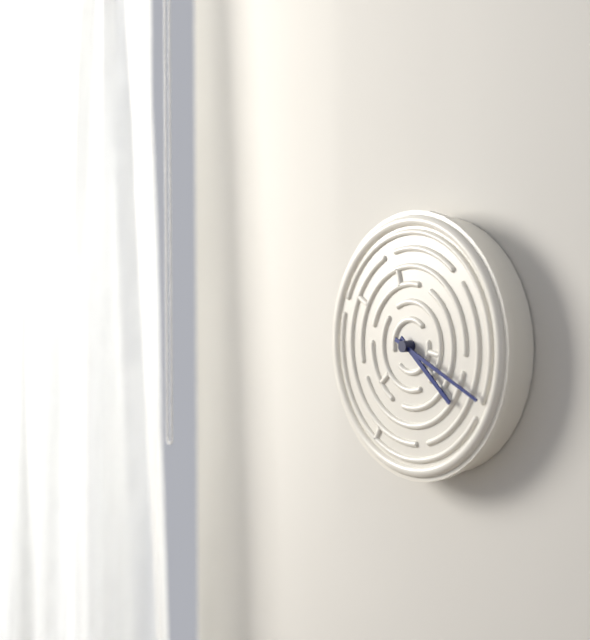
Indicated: 4 h 19 min
